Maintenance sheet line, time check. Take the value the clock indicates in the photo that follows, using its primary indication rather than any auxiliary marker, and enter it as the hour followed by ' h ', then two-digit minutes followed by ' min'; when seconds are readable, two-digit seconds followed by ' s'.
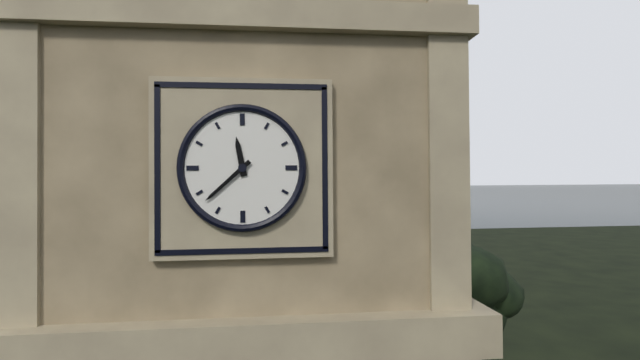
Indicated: 11 h 38 min
